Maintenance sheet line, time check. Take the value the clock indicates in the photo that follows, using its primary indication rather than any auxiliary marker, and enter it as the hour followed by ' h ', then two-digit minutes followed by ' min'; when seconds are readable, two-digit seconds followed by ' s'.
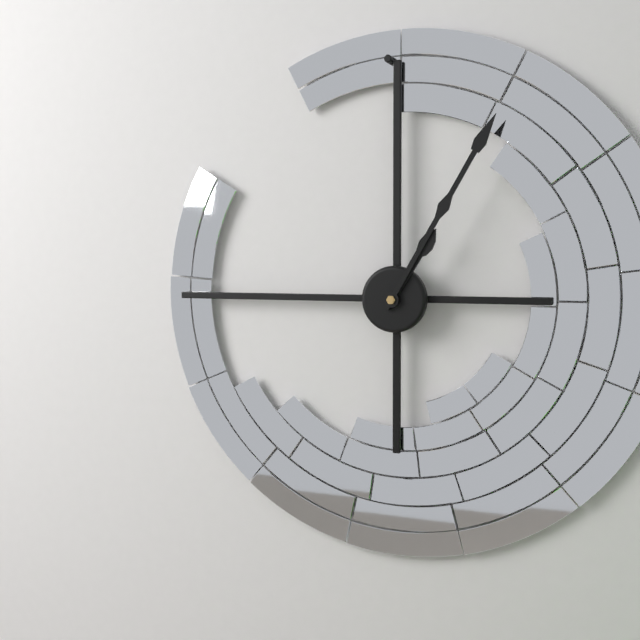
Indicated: 1 h 05 min
